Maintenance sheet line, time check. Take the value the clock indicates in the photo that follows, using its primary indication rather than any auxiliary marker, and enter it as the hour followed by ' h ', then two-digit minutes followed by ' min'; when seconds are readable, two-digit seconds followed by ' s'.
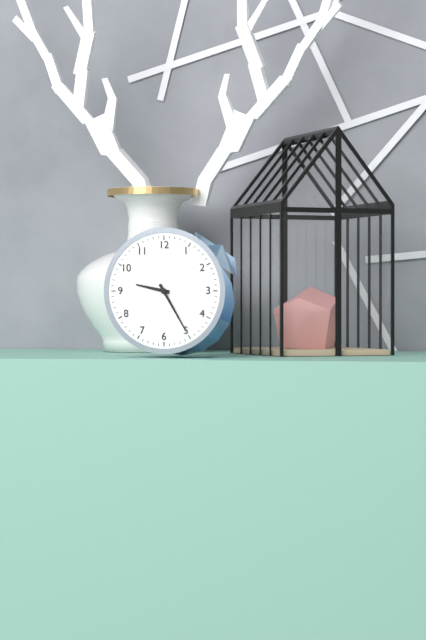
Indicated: 9 h 25 min
